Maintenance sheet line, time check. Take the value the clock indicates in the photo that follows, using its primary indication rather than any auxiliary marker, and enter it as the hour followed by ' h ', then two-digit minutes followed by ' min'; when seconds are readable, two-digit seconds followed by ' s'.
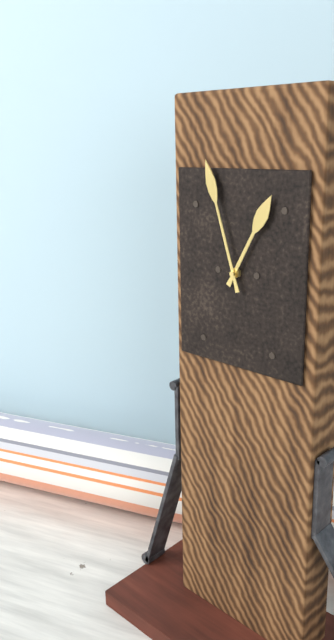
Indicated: 12 h 57 min
